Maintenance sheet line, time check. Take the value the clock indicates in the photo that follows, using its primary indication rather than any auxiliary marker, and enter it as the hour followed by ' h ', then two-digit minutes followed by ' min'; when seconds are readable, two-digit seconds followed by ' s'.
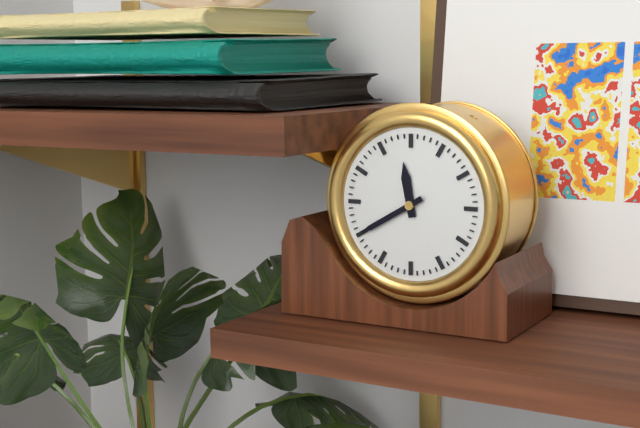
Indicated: 11 h 40 min
